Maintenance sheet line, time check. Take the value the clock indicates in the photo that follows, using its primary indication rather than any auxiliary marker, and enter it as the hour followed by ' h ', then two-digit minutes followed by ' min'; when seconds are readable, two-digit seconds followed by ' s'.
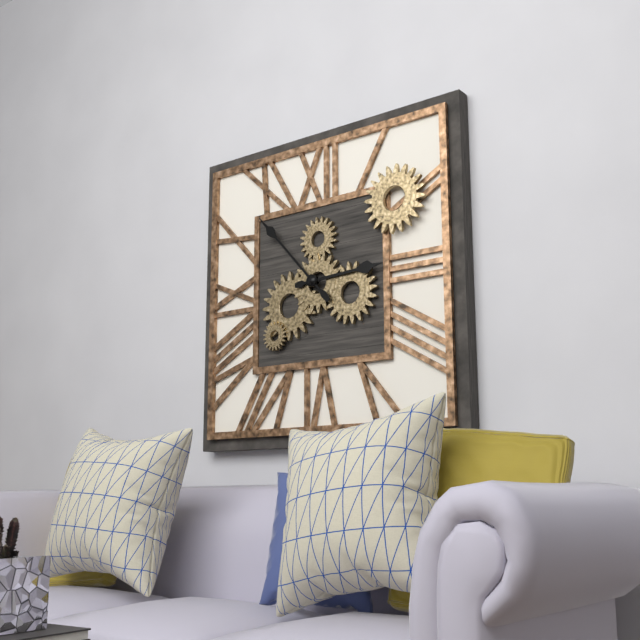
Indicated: 2 h 53 min
